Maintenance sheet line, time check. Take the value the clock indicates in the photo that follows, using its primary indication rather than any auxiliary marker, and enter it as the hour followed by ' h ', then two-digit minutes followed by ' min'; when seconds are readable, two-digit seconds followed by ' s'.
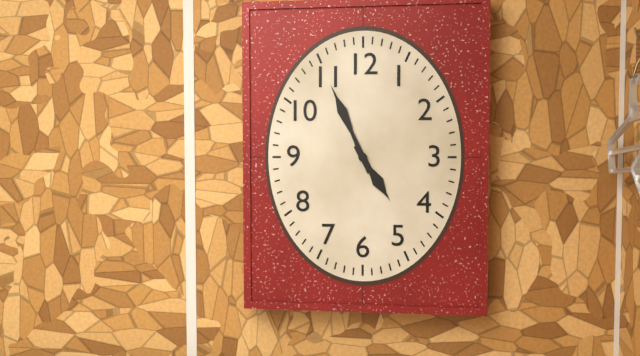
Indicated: 4 h 56 min
